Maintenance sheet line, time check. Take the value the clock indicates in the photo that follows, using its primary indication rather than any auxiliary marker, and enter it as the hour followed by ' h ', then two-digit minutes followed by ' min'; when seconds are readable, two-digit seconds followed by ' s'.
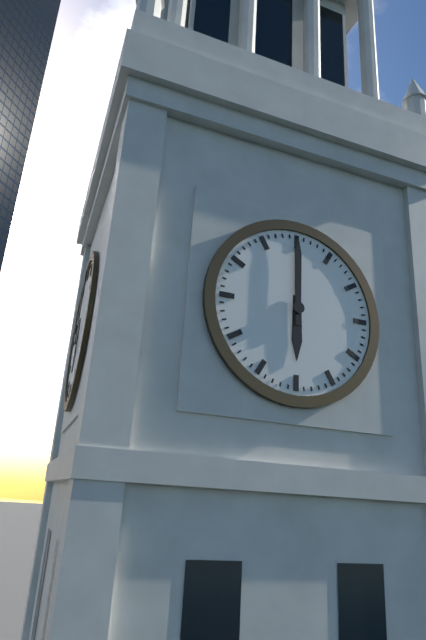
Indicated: 6 h 00 min
